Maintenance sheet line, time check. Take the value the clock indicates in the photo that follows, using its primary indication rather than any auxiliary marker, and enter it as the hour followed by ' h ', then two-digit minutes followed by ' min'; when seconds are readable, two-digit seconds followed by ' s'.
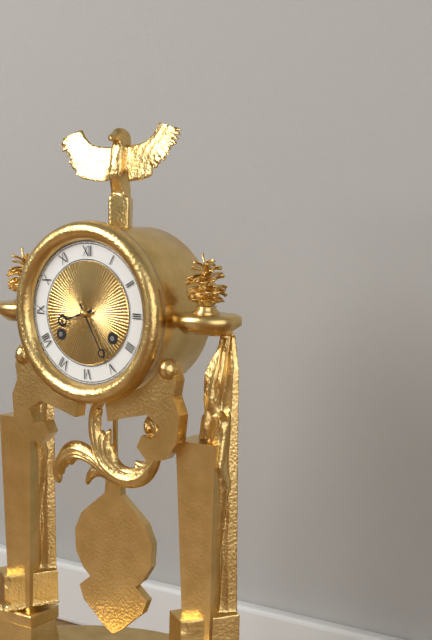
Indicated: 8 h 25 min
